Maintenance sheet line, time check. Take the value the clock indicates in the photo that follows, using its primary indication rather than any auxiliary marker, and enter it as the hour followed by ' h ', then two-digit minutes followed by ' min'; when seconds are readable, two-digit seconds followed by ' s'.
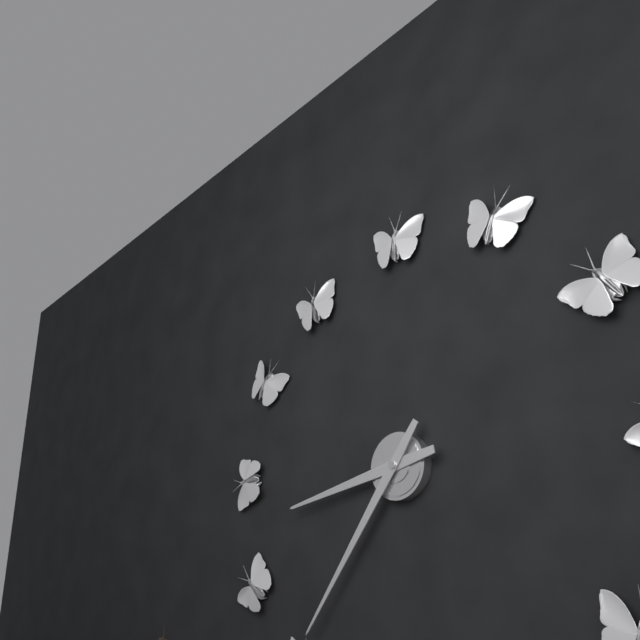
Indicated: 8 h 36 min
